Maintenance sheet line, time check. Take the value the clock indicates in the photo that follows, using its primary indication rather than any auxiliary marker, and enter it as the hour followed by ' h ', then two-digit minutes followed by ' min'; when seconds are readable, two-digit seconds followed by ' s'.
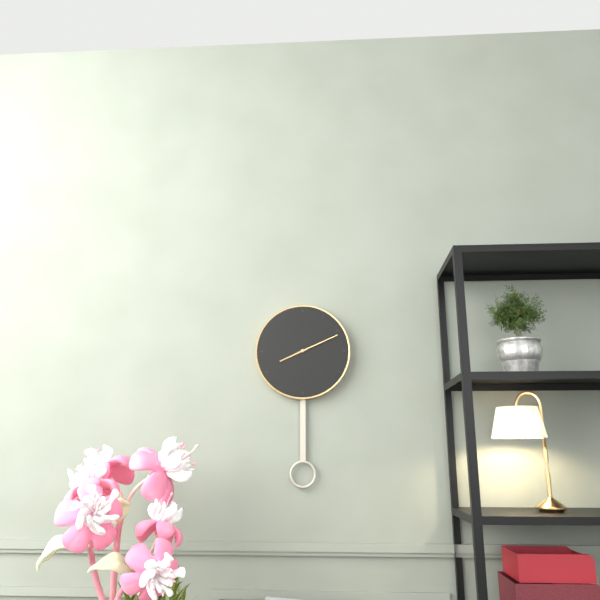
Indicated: 8 h 11 min
